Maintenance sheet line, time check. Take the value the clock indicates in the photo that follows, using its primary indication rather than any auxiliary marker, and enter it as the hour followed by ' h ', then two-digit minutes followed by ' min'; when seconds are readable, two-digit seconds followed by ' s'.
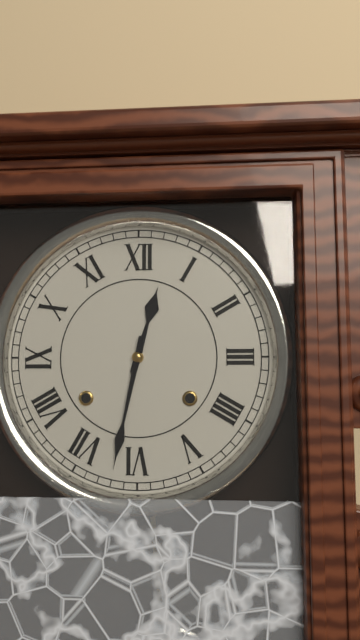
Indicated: 12 h 32 min
